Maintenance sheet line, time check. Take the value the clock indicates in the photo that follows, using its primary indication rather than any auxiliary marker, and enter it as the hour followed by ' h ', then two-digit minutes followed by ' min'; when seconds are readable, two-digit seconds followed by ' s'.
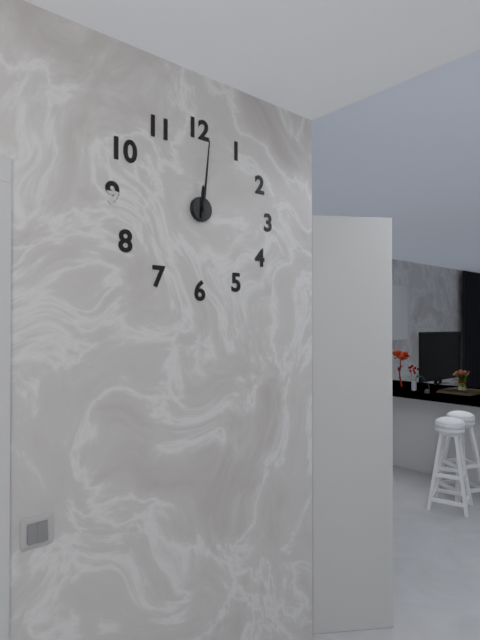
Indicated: 12 h 01 min
